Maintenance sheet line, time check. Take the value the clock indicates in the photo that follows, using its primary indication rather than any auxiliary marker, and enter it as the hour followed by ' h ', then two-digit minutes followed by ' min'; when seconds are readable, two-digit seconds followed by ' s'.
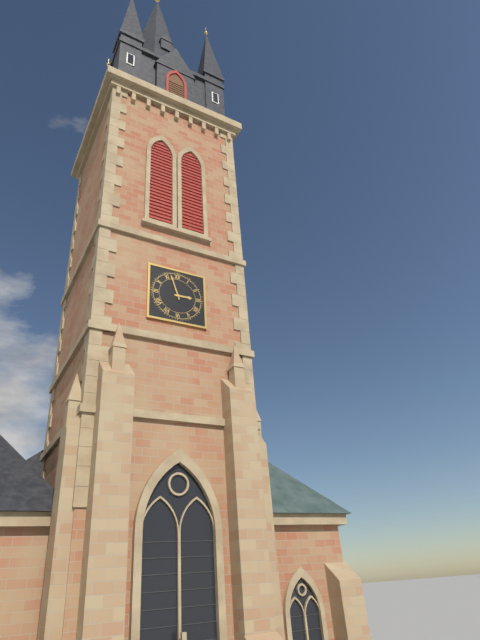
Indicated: 2 h 57 min
